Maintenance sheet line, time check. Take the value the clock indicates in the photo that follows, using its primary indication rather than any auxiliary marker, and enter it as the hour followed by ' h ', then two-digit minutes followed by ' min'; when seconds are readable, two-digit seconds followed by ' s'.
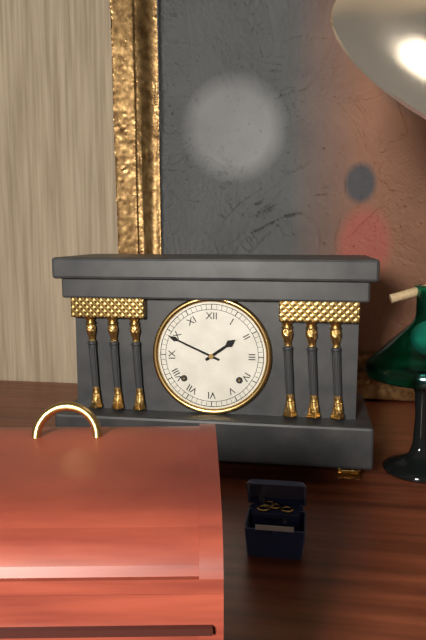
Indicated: 1 h 49 min
